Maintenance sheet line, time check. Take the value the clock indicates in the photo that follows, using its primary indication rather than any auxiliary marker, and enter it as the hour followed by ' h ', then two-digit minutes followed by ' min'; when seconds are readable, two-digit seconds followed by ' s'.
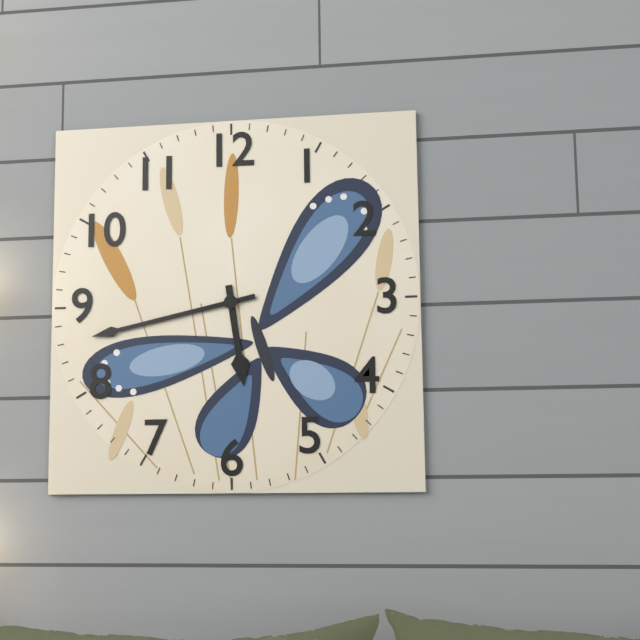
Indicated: 5 h 43 min
